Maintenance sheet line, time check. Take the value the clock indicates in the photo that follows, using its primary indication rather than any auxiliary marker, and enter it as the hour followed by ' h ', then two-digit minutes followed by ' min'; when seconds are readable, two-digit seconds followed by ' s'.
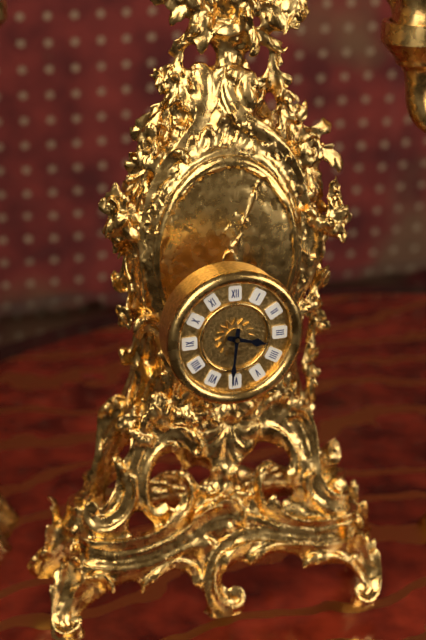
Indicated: 3 h 31 min
